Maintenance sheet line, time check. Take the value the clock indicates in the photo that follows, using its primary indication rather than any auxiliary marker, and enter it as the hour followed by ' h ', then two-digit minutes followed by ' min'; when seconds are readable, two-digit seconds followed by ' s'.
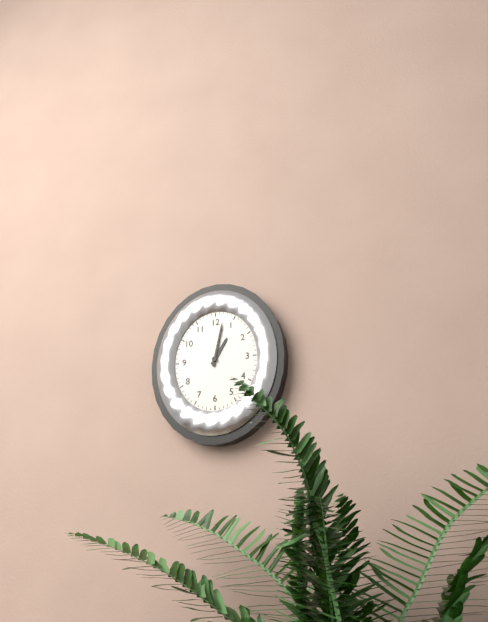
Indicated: 1 h 02 min
